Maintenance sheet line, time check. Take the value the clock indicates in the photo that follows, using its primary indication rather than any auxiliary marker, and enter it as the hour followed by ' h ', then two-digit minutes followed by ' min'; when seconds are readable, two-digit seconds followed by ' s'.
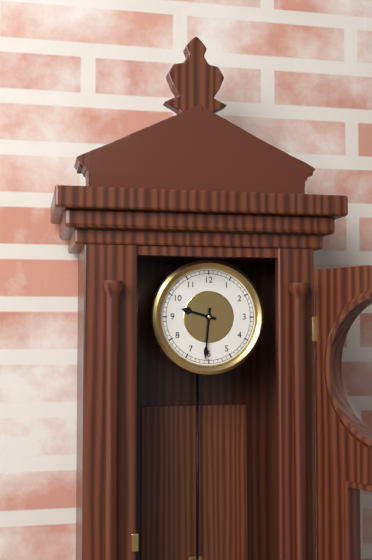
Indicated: 9 h 31 min
